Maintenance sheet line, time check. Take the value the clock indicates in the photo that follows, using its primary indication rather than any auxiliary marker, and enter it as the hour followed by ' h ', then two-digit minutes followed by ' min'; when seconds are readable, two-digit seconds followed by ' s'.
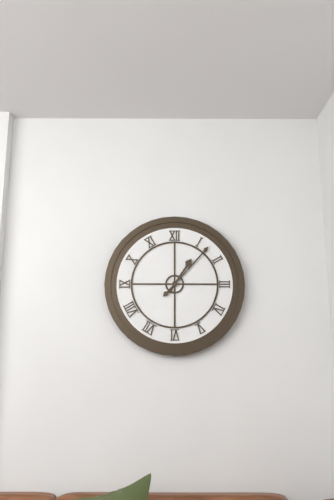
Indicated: 1 h 07 min
